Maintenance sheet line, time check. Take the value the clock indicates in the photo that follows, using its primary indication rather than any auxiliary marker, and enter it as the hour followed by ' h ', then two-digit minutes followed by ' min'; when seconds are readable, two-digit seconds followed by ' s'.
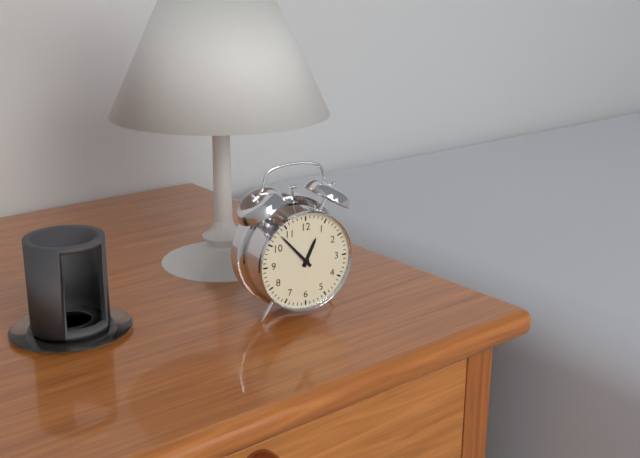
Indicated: 12 h 53 min
